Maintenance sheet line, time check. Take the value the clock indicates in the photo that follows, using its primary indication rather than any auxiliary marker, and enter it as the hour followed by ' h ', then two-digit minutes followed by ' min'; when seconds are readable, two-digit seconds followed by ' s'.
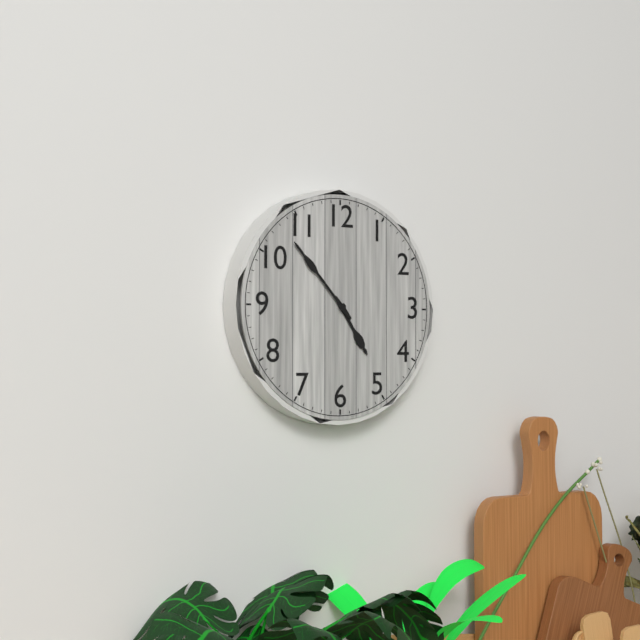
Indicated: 4 h 53 min
